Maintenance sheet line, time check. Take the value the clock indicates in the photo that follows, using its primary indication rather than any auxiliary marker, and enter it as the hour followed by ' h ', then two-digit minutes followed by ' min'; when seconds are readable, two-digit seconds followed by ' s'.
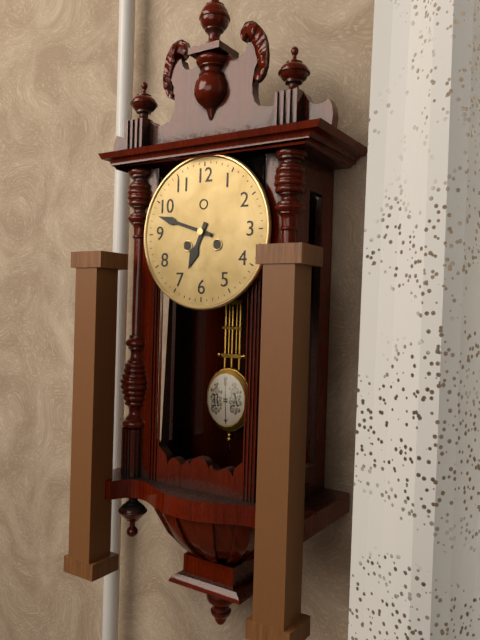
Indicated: 6 h 48 min
